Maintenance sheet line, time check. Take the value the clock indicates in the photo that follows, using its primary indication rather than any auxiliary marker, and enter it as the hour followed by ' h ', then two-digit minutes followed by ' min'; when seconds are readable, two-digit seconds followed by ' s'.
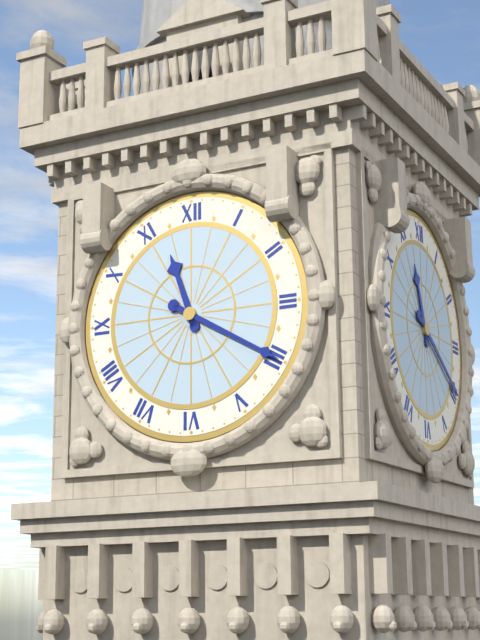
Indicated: 11 h 20 min
